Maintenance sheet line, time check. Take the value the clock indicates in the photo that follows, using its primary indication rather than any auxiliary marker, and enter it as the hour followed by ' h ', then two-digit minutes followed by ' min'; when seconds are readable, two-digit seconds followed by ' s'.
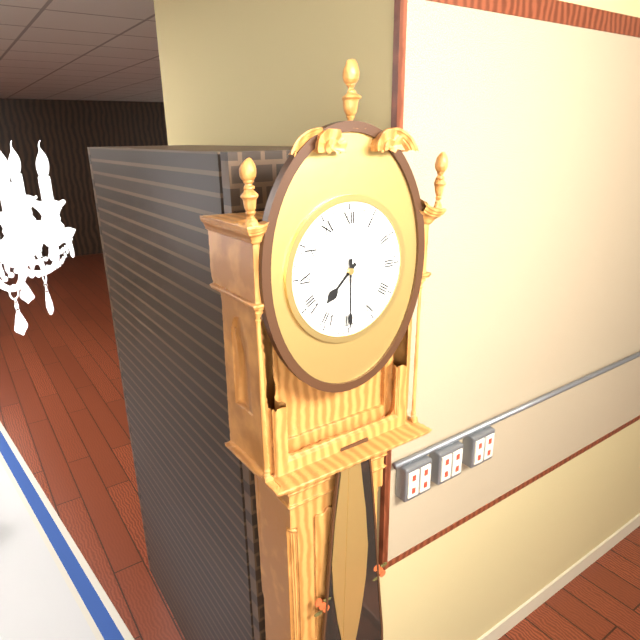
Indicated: 7 h 30 min
